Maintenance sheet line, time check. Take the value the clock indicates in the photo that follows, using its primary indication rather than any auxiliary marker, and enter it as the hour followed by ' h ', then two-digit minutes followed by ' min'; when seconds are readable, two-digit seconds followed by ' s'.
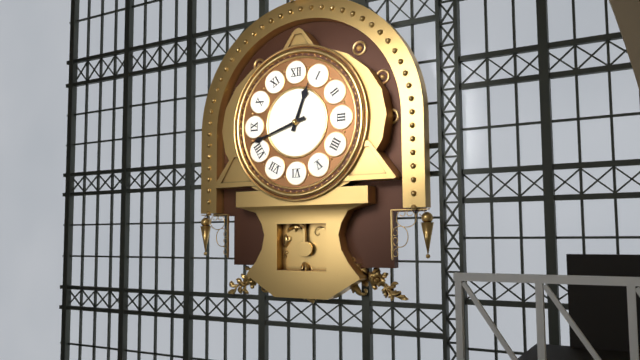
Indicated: 12 h 42 min
